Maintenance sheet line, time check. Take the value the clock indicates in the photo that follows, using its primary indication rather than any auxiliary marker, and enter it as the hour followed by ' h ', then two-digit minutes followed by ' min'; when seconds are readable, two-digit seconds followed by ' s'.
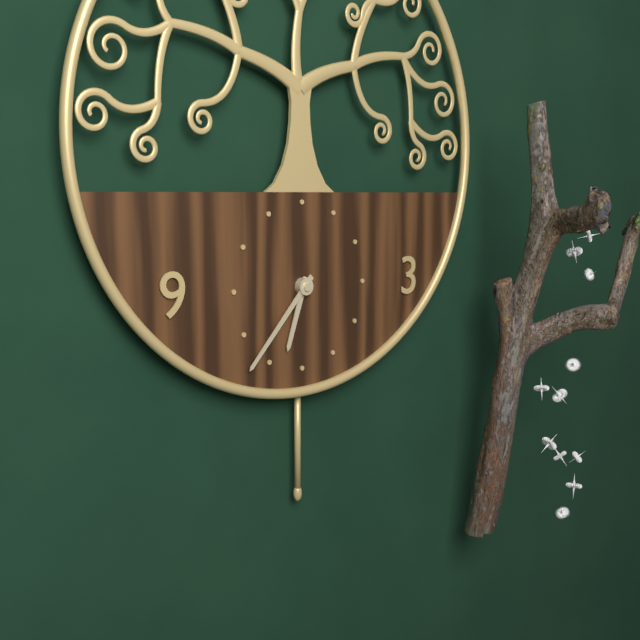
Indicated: 6 h 37 min
